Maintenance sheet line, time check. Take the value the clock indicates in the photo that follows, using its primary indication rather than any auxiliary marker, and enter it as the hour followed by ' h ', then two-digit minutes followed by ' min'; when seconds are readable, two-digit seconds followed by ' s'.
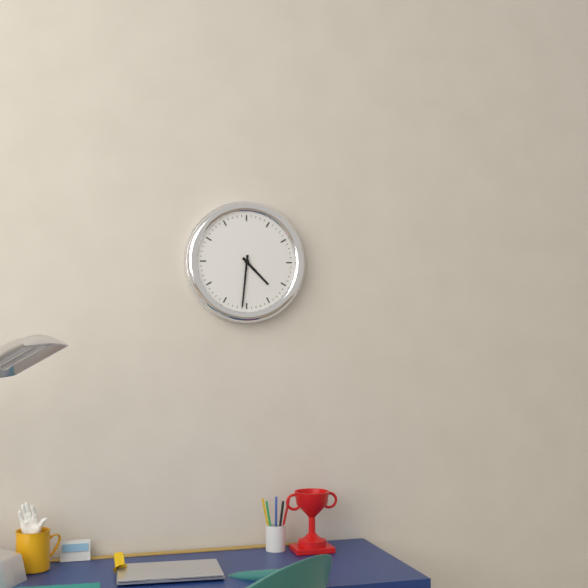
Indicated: 4 h 31 min
